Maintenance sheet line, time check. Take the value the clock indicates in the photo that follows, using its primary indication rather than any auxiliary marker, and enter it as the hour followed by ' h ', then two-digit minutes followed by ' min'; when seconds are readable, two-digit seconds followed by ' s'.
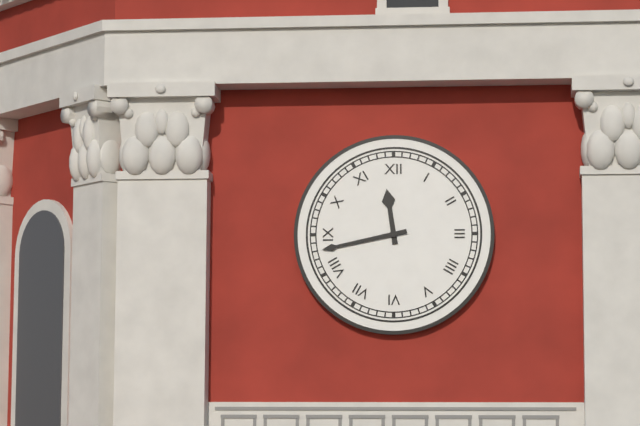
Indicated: 11 h 43 min
